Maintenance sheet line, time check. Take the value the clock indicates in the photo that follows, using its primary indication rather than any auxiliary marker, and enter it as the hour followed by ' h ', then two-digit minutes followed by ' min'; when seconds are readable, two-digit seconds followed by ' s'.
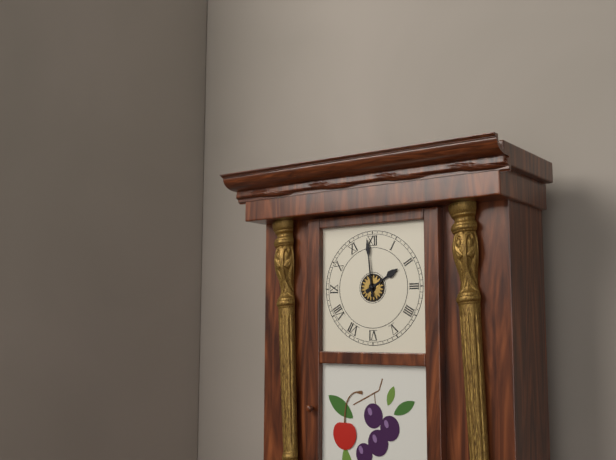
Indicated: 1 h 59 min
